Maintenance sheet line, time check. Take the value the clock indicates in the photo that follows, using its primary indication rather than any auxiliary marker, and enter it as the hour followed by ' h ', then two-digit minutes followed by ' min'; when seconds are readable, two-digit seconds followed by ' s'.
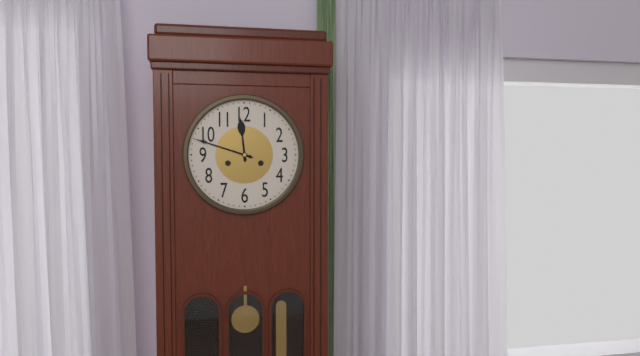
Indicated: 11 h 48 min
